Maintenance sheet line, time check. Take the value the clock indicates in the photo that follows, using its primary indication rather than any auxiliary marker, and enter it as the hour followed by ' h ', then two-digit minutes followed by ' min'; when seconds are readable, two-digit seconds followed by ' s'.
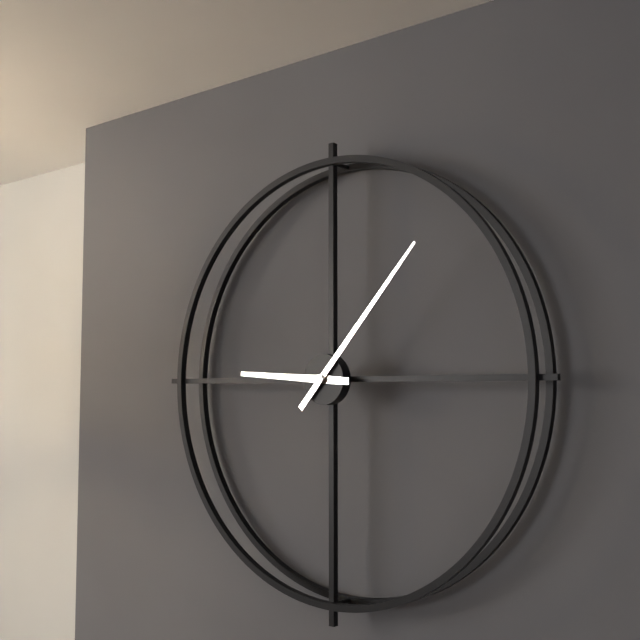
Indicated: 9 h 07 min
